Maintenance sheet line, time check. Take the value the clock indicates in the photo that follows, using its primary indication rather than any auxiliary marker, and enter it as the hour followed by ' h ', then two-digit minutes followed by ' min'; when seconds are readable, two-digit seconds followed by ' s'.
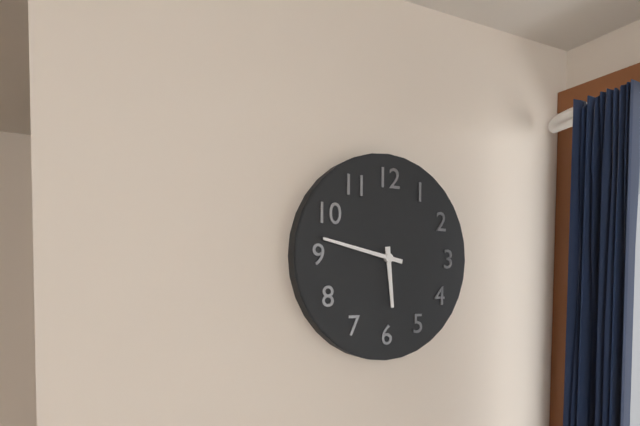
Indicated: 5 h 47 min
